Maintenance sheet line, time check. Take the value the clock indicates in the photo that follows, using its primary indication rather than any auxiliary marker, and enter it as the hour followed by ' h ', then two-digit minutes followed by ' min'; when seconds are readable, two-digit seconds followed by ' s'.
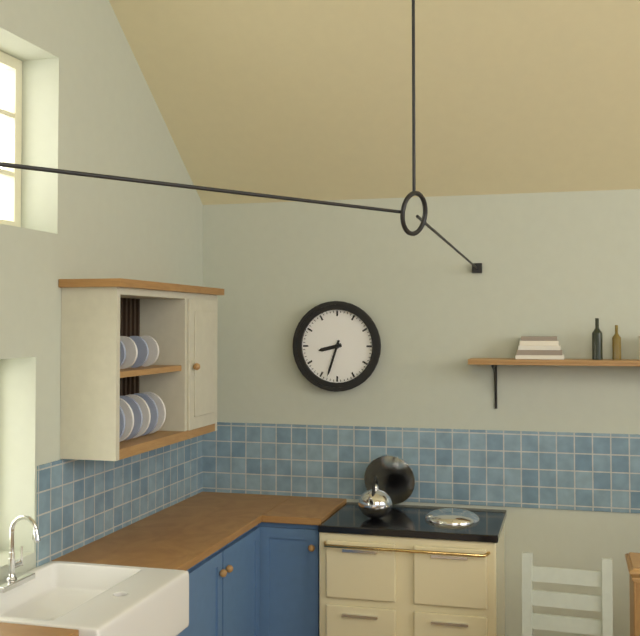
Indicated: 8 h 33 min
